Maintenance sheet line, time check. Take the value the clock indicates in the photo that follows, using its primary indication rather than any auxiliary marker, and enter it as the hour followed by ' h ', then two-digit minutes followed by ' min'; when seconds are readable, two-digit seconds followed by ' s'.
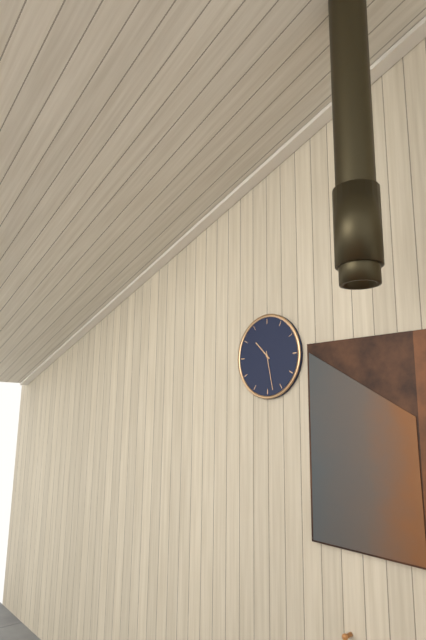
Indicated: 10 h 28 min
